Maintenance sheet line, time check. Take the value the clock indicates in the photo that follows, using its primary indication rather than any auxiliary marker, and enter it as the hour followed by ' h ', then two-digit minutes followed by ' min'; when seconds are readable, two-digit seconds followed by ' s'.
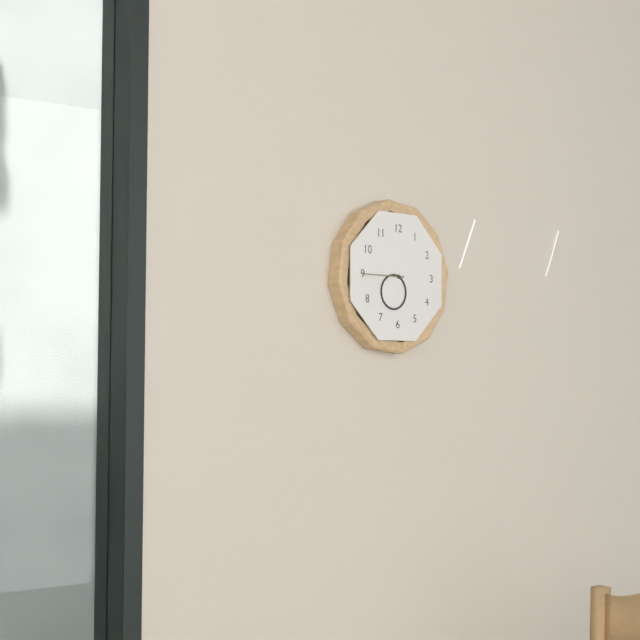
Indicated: 6 h 45 min
